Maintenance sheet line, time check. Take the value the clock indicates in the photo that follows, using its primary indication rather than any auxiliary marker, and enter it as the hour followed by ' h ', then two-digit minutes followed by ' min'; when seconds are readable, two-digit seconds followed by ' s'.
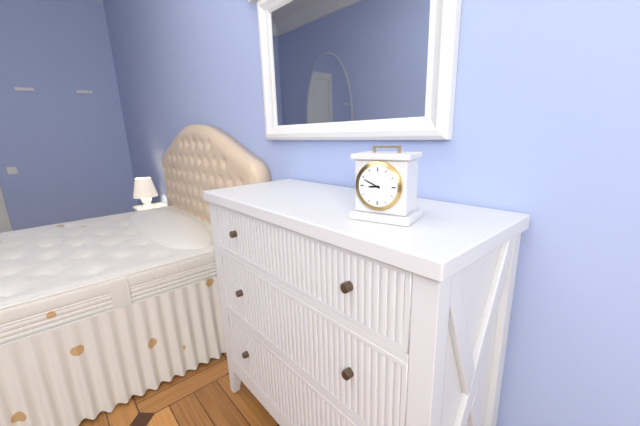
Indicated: 8 h 49 min
